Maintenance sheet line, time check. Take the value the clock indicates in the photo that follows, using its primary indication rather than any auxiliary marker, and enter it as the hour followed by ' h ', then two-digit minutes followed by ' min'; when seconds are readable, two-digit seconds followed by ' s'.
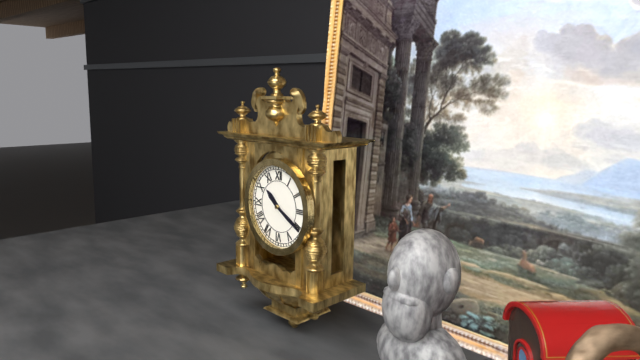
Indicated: 10 h 20 min
